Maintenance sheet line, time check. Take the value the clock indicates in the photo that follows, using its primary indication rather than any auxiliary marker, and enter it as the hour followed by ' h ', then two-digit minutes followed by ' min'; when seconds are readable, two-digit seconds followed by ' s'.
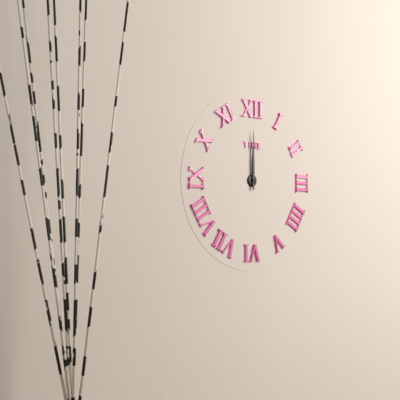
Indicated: 12 h 00 min
